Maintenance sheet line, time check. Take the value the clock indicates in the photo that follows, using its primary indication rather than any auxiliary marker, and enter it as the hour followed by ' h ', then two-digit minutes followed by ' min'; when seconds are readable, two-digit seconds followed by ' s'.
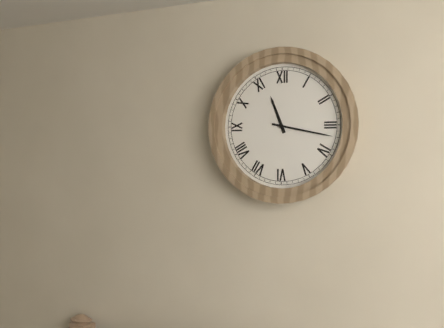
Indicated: 11 h 17 min
